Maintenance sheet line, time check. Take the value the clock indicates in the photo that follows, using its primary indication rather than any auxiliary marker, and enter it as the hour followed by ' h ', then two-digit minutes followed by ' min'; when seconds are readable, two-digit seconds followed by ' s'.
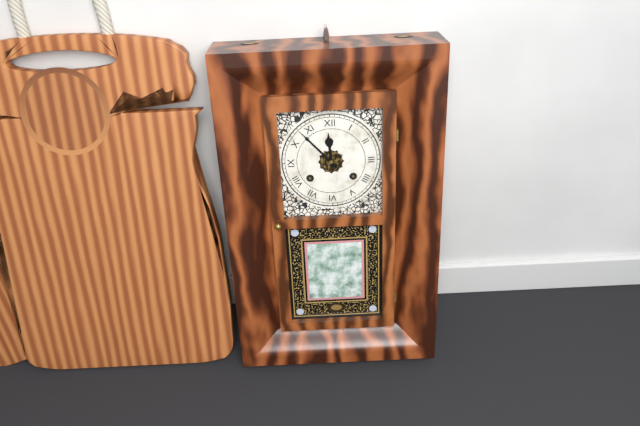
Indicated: 11 h 53 min
